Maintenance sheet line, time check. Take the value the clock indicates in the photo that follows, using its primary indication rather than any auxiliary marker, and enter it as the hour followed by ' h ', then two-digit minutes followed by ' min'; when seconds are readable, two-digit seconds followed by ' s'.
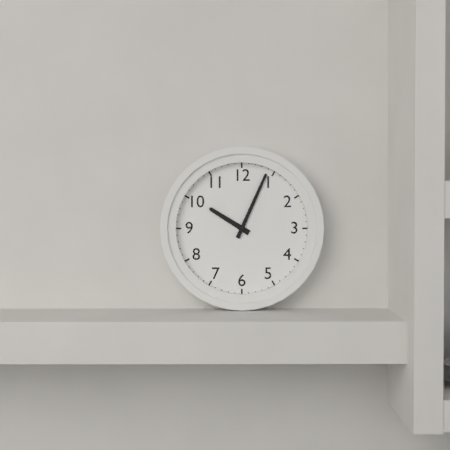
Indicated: 10 h 04 min
